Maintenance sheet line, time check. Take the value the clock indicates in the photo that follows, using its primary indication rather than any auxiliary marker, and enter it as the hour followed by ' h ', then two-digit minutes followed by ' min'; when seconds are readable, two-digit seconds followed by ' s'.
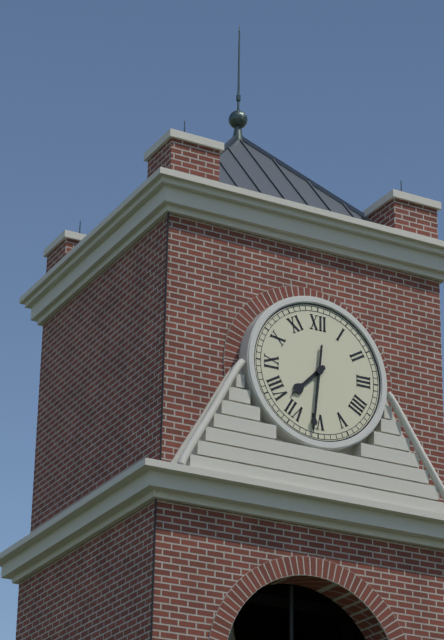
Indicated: 7 h 31 min
